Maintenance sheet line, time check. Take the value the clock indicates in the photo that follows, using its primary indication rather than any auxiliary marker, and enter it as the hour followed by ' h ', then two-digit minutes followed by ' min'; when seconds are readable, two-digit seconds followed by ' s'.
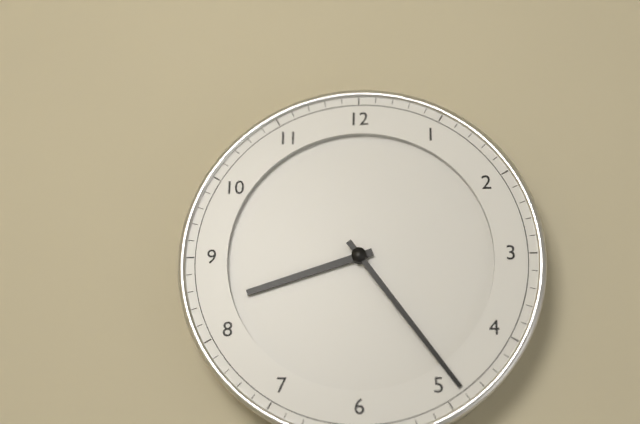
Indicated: 8 h 24 min
